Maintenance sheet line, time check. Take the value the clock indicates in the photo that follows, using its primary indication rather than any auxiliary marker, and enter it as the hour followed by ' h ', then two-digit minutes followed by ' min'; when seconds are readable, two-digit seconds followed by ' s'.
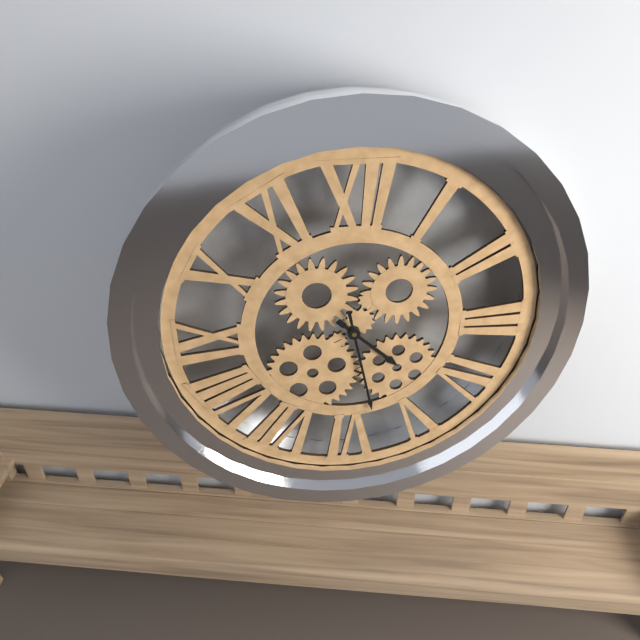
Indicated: 4 h 28 min
